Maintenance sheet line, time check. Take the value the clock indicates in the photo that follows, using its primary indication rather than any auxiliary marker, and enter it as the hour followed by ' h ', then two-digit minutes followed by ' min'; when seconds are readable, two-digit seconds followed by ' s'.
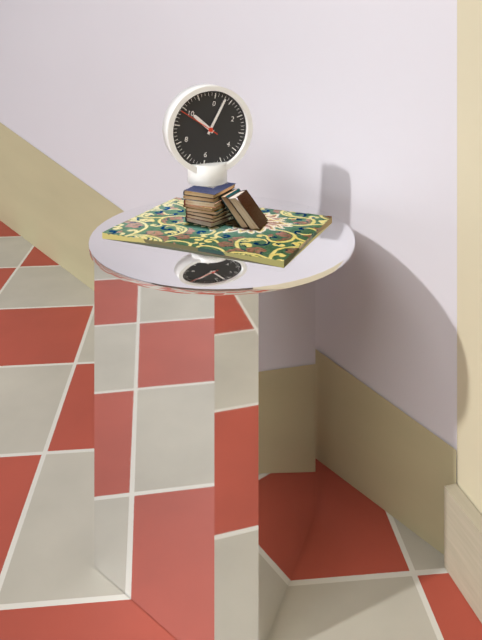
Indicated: 10 h 03 min
